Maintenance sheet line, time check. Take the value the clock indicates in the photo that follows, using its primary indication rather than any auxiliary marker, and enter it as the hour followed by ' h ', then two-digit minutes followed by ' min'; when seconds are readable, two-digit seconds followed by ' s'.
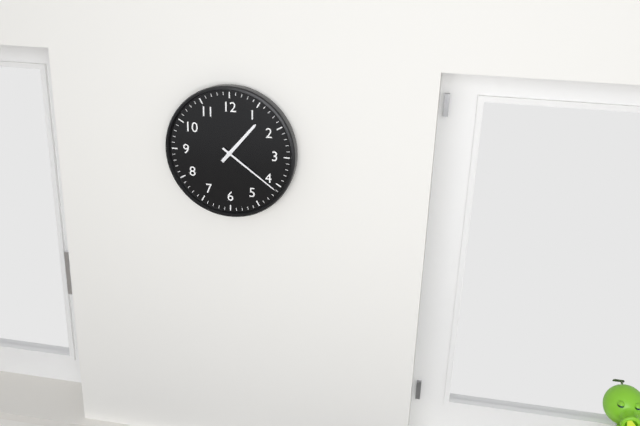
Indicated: 1 h 21 min
